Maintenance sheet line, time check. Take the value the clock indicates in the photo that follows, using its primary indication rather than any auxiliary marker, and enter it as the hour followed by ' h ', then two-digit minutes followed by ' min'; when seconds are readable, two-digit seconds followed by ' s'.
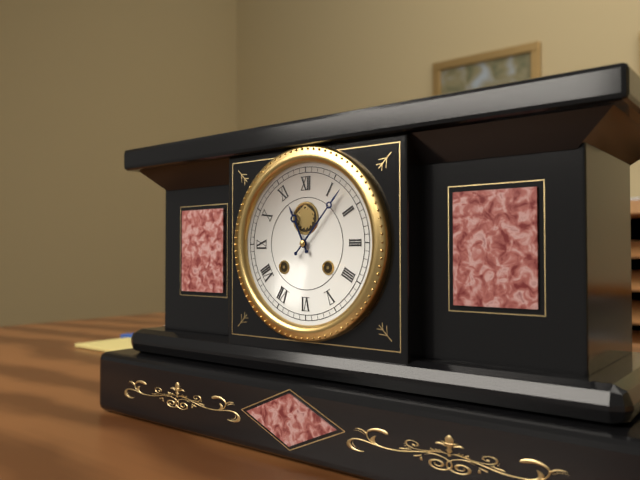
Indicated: 11 h 07 min
